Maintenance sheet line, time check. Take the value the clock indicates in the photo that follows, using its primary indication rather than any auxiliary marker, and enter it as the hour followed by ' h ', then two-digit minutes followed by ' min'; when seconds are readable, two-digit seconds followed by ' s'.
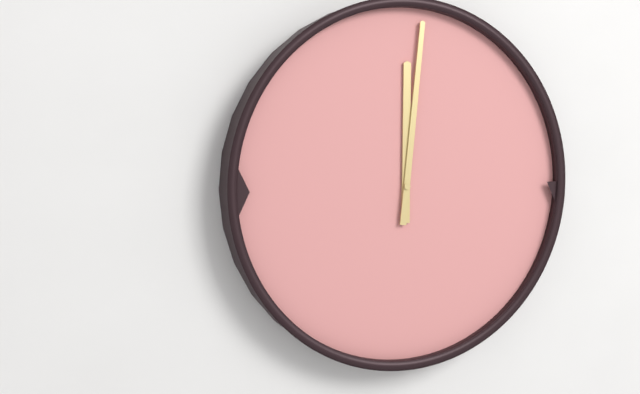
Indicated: 12 h 01 min
